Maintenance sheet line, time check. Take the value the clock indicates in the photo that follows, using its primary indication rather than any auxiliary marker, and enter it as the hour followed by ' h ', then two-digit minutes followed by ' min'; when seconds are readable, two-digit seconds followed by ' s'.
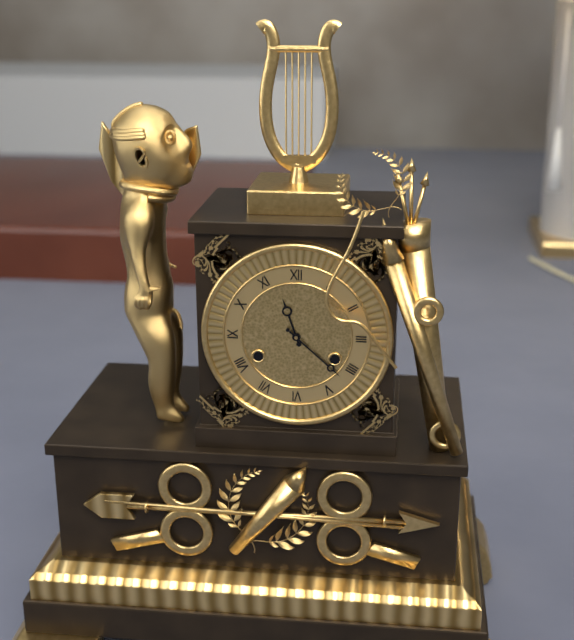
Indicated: 11 h 22 min
